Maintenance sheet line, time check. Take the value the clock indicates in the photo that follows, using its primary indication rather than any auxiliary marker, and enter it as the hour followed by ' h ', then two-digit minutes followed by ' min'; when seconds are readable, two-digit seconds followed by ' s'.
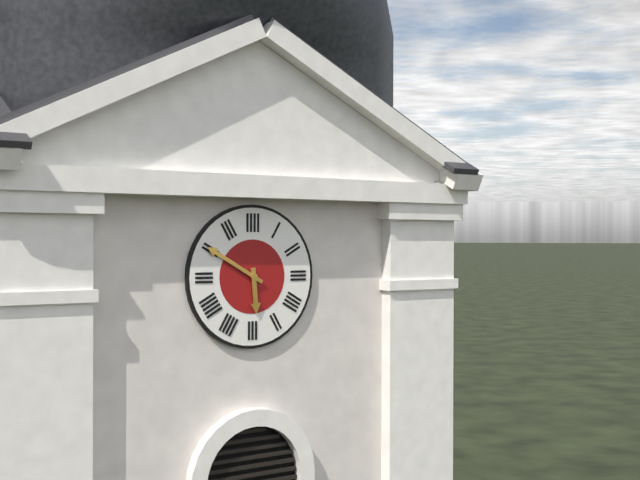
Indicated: 5 h 50 min
